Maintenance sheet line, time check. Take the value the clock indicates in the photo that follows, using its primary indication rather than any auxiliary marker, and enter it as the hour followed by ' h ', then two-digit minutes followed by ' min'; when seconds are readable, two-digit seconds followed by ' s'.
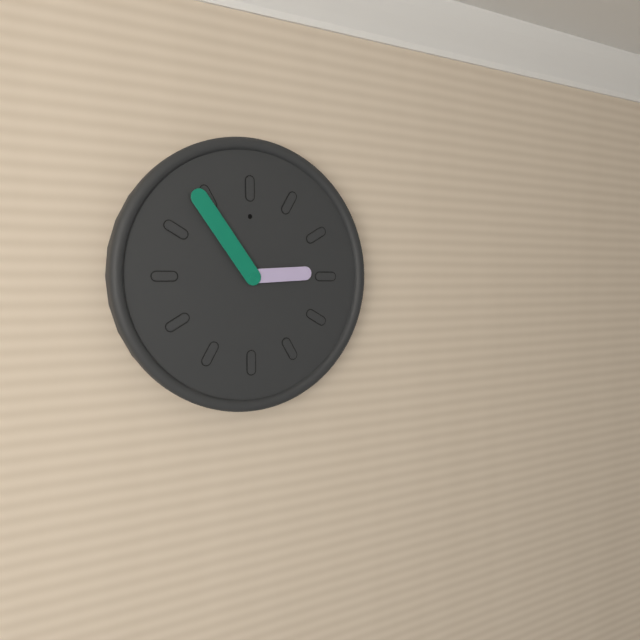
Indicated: 2 h 54 min
